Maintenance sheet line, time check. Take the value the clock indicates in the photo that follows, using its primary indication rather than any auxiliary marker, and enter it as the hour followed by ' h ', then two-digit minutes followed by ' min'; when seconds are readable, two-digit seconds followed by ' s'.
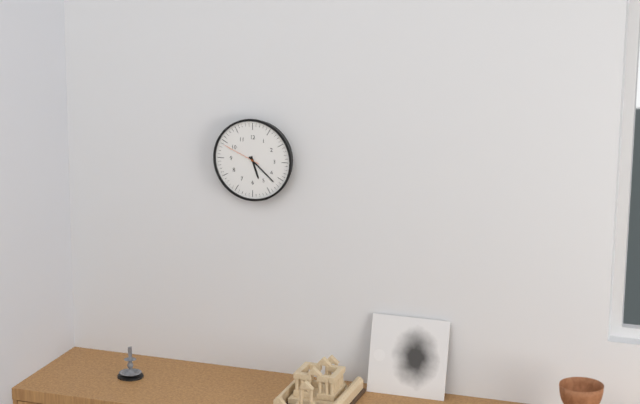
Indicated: 5 h 22 min
